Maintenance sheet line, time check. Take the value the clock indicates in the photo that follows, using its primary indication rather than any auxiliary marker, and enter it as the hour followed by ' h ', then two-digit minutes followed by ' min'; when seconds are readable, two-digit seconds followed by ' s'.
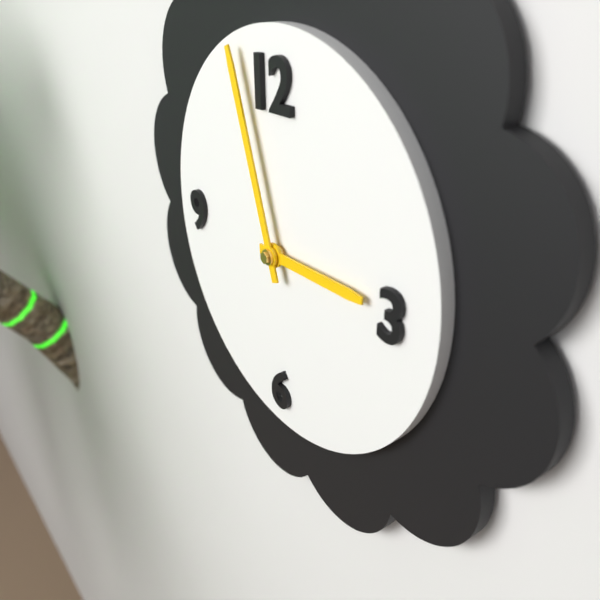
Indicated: 2 h 57 min
